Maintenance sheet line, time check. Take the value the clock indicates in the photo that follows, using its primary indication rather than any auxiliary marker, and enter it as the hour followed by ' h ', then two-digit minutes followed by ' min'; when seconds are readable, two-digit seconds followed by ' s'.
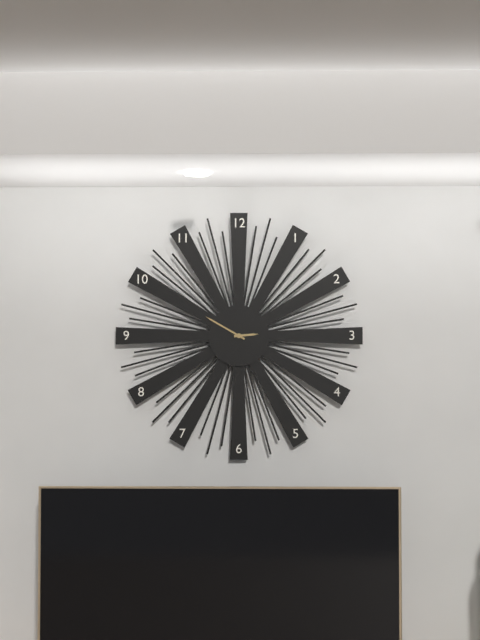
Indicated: 2 h 50 min
